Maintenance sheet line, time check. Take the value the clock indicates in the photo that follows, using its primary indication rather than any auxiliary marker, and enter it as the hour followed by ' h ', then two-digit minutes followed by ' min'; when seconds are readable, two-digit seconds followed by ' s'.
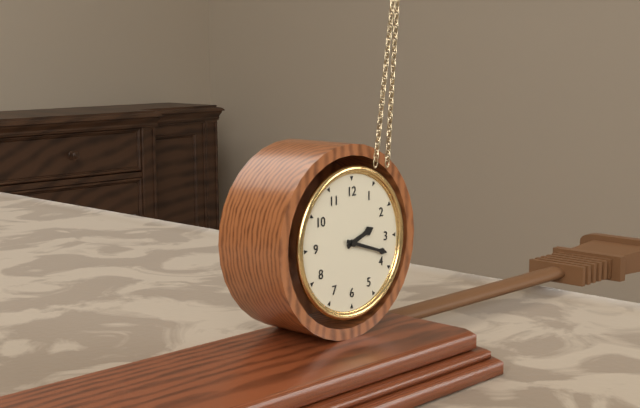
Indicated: 2 h 18 min
